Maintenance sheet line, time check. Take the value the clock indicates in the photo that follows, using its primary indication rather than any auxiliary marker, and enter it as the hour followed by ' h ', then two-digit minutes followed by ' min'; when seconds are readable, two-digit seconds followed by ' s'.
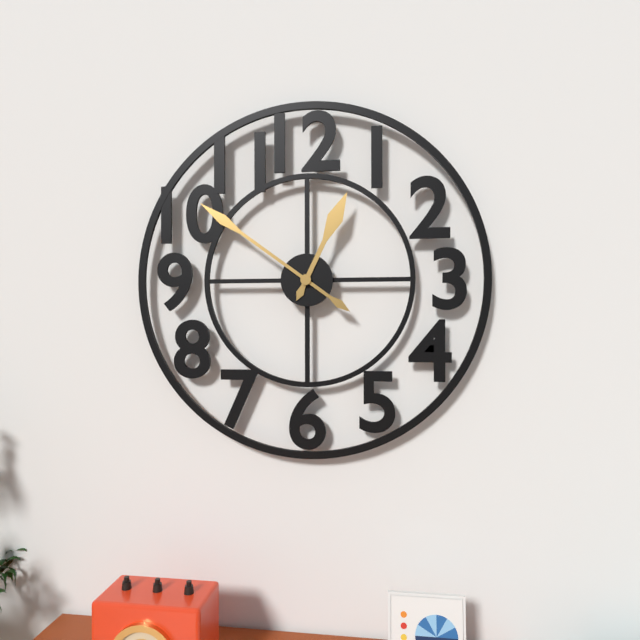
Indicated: 12 h 51 min
